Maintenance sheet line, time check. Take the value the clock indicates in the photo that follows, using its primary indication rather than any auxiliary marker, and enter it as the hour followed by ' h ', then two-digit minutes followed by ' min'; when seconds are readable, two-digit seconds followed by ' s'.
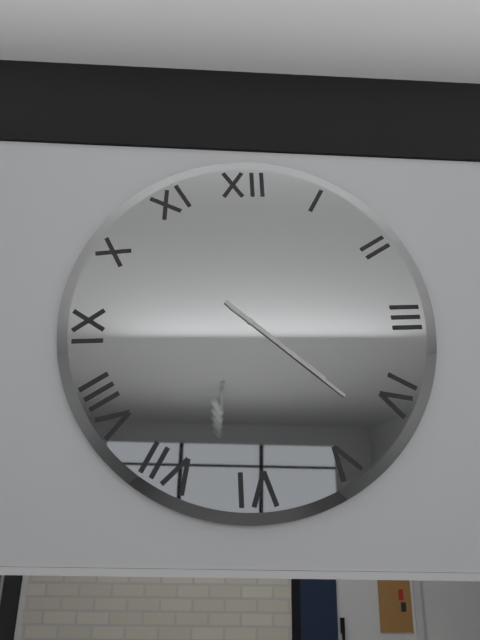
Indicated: 4 h 22 min
